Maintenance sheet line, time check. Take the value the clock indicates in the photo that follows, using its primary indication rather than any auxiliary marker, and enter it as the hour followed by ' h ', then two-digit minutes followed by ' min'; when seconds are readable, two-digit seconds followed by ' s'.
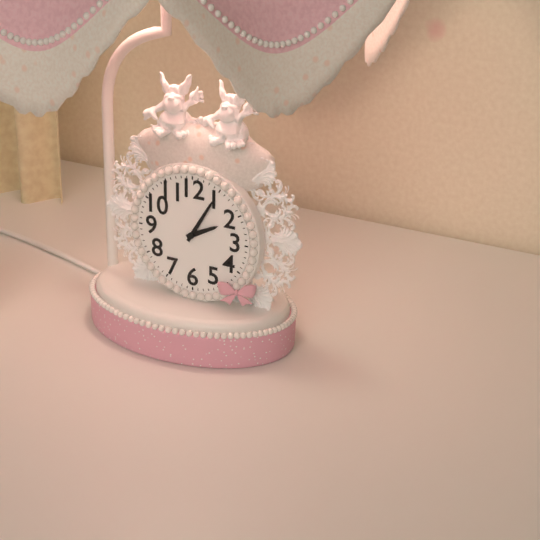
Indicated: 2 h 05 min
